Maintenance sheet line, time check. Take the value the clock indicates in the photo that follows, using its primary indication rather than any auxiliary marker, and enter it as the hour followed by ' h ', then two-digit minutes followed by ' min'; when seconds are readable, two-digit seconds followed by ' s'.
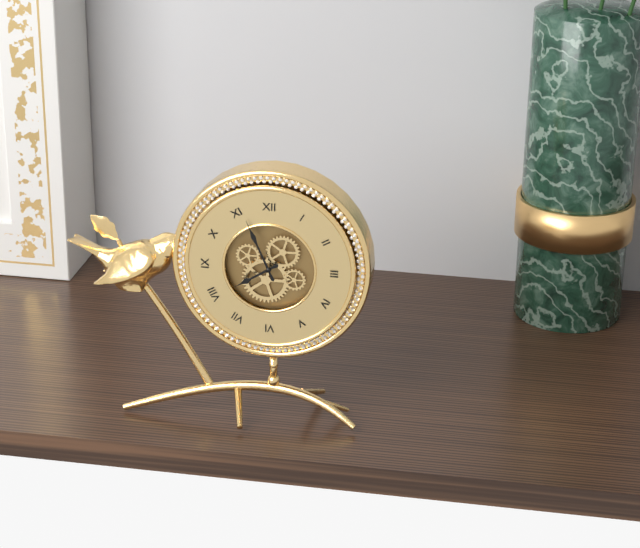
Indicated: 7 h 56 min
